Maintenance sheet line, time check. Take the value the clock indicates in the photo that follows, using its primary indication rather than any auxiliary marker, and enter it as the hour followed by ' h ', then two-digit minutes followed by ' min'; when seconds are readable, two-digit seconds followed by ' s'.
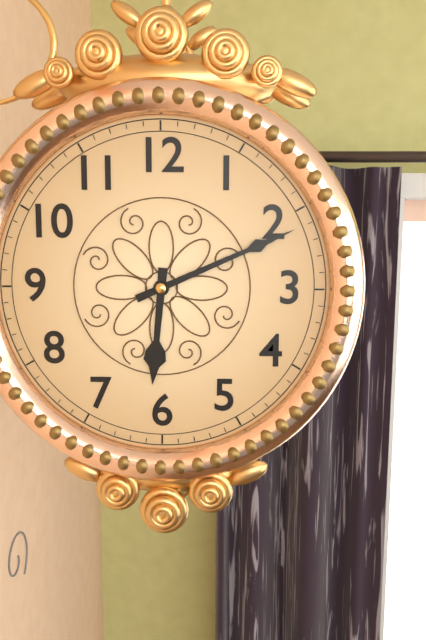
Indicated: 6 h 11 min
